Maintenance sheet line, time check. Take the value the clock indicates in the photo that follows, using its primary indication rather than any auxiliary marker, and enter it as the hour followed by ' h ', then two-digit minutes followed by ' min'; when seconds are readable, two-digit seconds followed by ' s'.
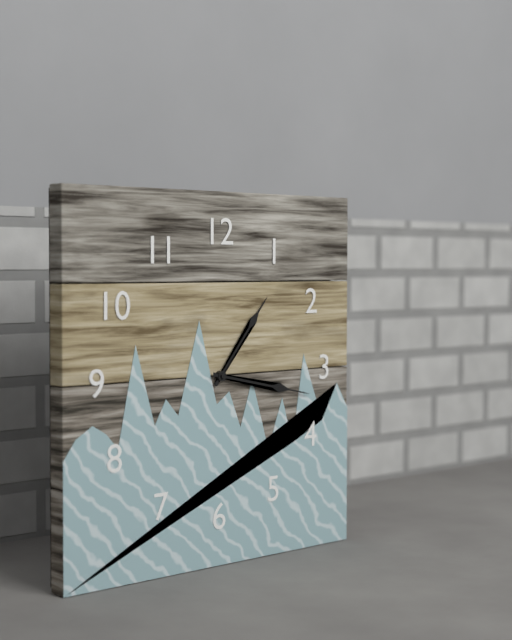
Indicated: 1 h 17 min
